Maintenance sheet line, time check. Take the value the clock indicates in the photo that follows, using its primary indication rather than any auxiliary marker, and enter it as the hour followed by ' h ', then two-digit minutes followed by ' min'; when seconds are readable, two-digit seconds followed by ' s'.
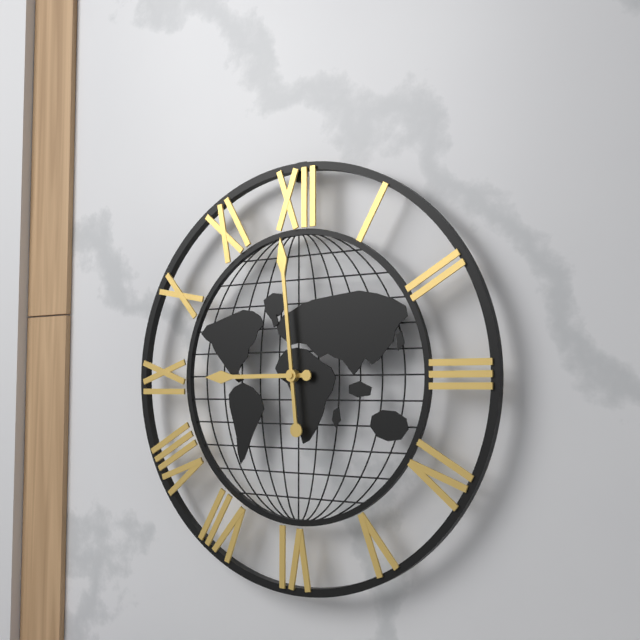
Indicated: 8 h 59 min
